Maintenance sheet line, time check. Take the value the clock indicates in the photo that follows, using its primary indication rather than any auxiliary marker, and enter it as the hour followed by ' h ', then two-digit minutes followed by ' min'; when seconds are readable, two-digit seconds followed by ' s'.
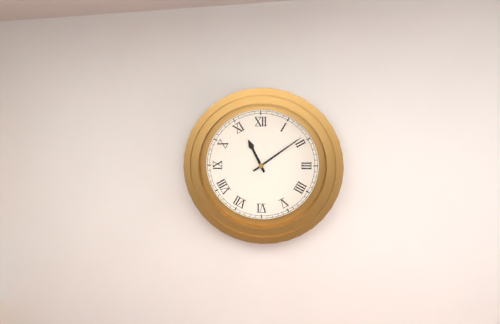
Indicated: 11 h 09 min
